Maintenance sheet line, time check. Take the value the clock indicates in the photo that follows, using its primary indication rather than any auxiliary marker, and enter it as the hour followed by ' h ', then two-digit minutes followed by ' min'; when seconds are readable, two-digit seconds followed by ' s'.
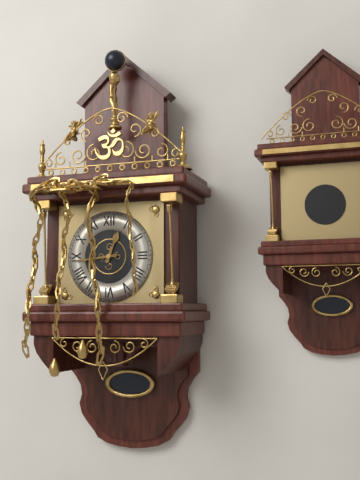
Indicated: 12 h 44 min
